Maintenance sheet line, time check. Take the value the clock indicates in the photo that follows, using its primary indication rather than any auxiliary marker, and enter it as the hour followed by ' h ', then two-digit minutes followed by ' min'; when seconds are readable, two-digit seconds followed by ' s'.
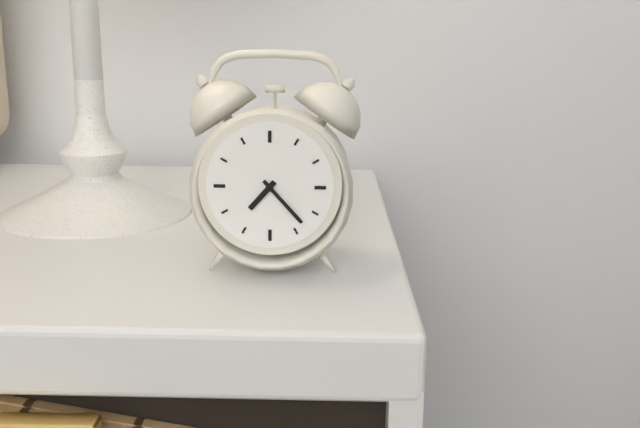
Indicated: 7 h 23 min
